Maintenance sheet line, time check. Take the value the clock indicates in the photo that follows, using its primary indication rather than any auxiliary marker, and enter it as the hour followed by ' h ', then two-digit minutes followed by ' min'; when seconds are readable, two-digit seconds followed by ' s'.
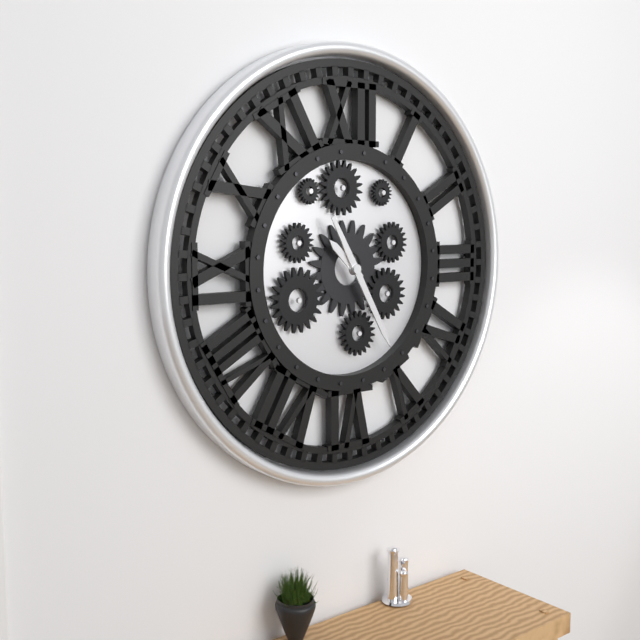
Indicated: 10 h 25 min
